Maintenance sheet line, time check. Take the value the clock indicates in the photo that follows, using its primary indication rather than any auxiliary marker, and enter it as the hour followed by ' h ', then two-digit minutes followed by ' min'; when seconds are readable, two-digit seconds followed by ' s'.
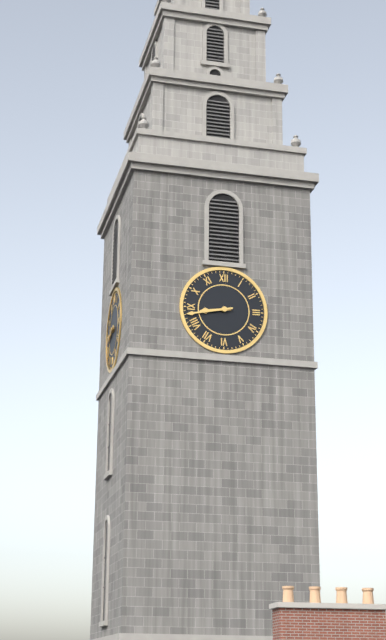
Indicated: 8 h 43 min
